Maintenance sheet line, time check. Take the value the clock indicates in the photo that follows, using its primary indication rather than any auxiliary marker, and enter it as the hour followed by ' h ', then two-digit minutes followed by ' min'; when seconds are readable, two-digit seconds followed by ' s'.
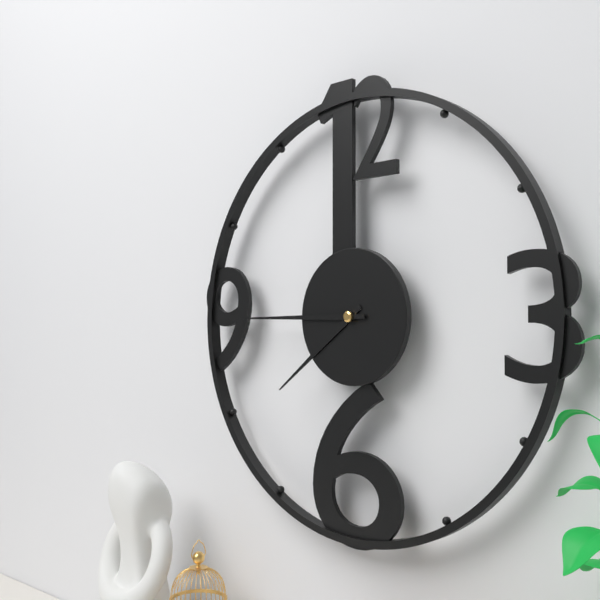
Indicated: 7 h 45 min
